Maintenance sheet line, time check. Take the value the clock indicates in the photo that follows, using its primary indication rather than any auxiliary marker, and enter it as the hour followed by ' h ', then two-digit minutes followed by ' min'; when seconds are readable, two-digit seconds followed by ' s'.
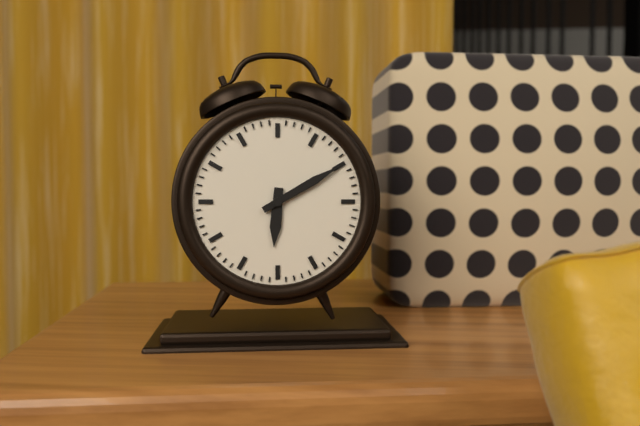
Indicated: 6 h 10 min
